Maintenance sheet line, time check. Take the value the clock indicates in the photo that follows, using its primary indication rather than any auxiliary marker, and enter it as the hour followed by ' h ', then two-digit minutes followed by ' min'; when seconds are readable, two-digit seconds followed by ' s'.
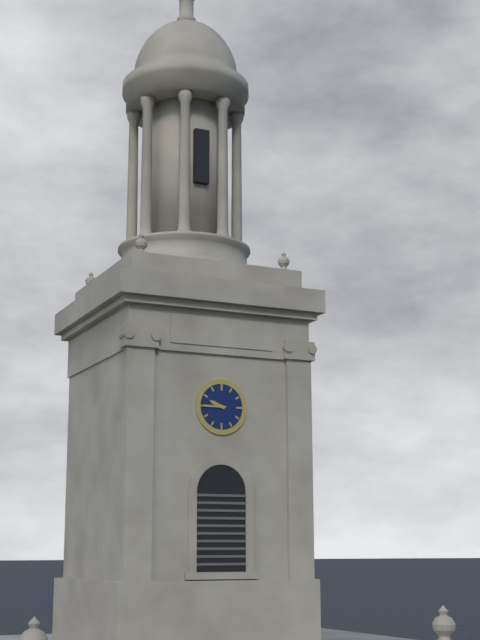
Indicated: 9 h 45 min
